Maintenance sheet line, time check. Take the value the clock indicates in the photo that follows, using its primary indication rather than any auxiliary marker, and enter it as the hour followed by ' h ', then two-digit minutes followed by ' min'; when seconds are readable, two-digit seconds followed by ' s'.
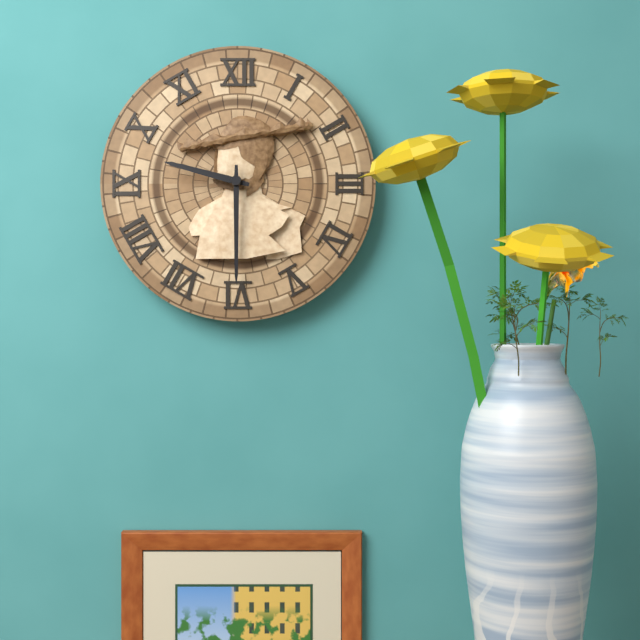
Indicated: 9 h 30 min
